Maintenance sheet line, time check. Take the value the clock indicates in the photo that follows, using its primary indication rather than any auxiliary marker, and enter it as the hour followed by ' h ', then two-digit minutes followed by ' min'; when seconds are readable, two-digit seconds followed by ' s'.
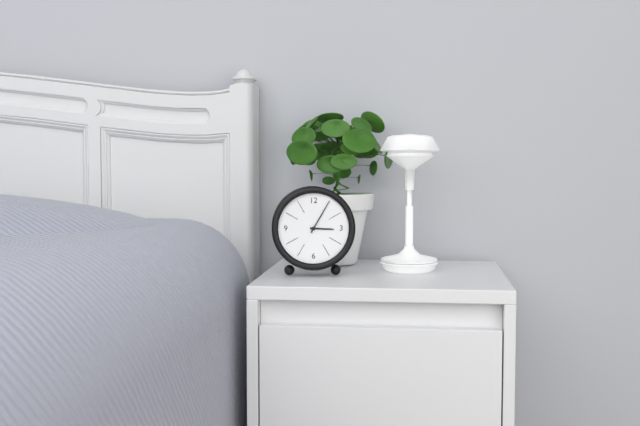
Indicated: 3 h 05 min
